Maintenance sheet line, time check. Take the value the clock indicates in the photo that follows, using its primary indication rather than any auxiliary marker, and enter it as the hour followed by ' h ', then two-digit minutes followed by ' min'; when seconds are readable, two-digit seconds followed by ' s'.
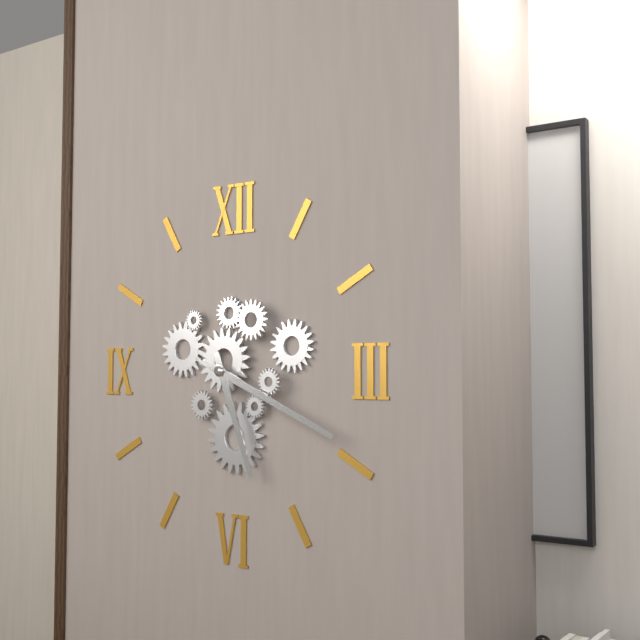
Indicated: 5 h 19 min
